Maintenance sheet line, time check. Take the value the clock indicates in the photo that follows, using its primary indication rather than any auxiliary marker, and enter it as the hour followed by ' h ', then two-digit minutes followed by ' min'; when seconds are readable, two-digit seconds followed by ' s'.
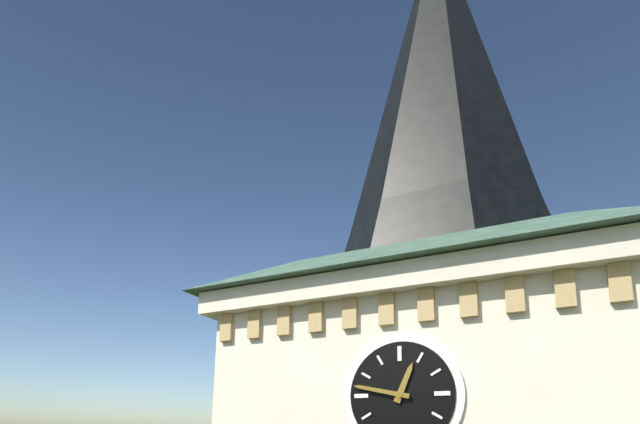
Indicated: 12 h 47 min
